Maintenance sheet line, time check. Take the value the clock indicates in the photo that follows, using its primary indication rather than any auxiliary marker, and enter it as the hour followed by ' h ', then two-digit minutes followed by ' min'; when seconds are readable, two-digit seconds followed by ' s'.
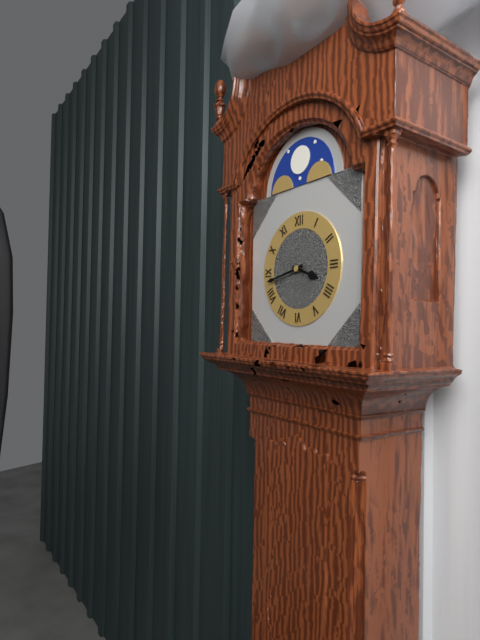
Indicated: 3 h 43 min
